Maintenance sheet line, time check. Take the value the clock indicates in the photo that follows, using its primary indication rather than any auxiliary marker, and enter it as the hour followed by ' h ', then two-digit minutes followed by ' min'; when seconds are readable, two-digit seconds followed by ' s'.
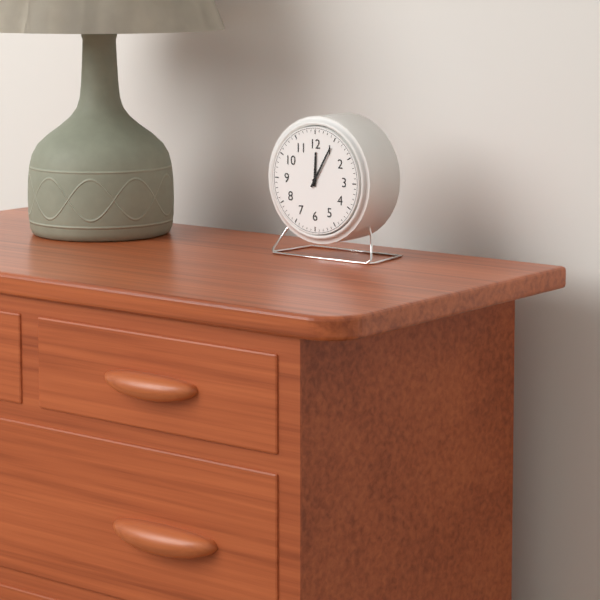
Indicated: 12 h 05 min
